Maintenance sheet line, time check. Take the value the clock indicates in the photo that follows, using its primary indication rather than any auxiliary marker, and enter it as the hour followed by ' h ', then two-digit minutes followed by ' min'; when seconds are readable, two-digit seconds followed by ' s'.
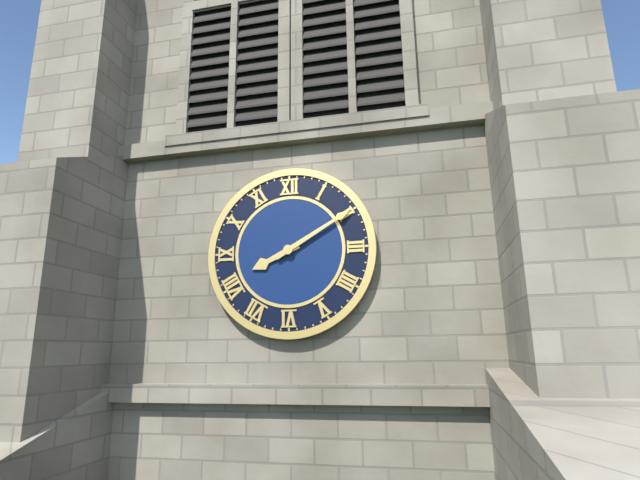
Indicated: 8 h 10 min
